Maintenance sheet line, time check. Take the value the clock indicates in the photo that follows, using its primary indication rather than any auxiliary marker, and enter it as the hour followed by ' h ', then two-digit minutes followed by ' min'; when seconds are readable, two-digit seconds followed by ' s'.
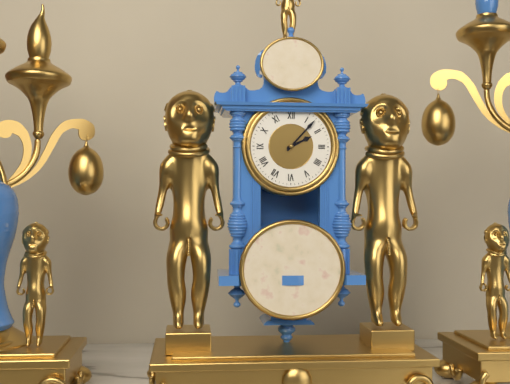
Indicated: 2 h 07 min
